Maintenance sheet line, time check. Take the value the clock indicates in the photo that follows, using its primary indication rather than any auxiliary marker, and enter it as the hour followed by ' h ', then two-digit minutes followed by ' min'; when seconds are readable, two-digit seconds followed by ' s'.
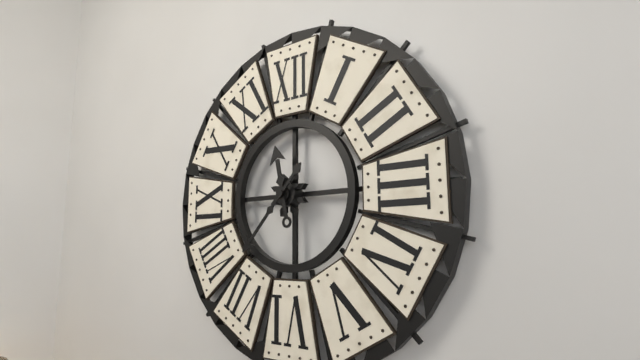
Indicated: 11 h 37 min
